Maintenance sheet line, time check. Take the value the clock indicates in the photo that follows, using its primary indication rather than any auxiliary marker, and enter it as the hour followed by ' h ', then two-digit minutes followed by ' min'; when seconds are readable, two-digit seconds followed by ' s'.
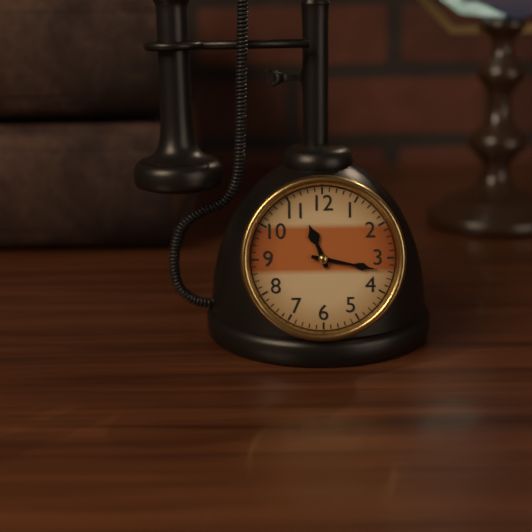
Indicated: 11 h 17 min
